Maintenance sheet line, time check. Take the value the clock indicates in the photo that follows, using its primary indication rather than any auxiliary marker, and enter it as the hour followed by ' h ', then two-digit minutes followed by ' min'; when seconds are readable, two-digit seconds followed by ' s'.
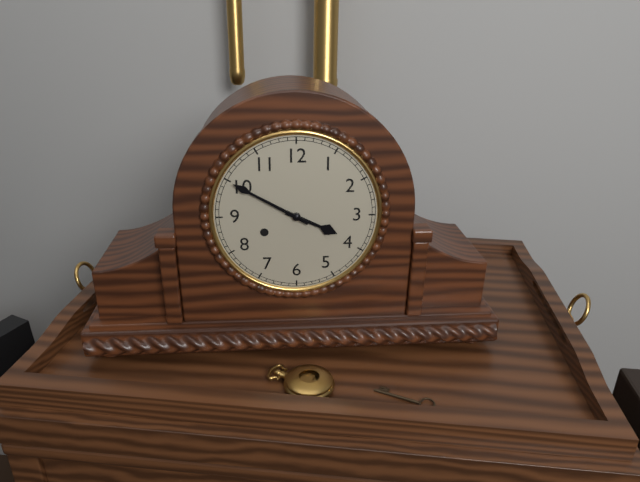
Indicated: 3 h 50 min
